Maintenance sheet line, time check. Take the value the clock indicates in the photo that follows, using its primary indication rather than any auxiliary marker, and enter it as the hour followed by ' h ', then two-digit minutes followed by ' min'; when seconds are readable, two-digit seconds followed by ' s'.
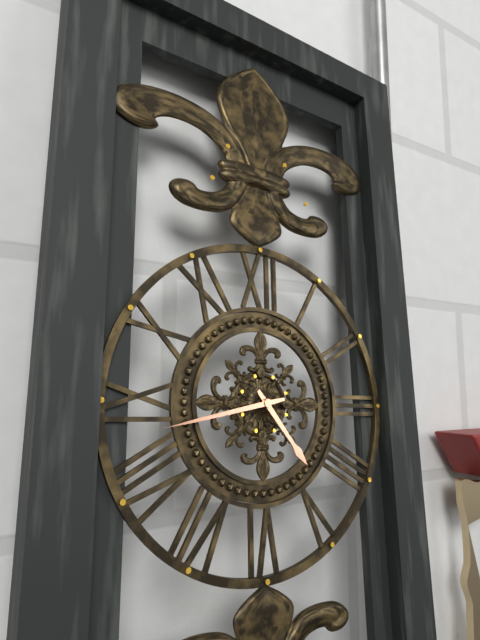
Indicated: 4 h 43 min
